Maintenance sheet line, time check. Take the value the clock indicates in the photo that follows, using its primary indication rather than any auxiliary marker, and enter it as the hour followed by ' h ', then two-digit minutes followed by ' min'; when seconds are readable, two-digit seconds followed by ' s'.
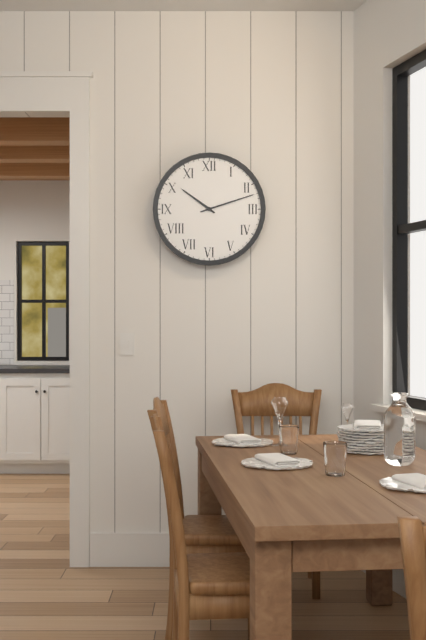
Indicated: 10 h 12 min
